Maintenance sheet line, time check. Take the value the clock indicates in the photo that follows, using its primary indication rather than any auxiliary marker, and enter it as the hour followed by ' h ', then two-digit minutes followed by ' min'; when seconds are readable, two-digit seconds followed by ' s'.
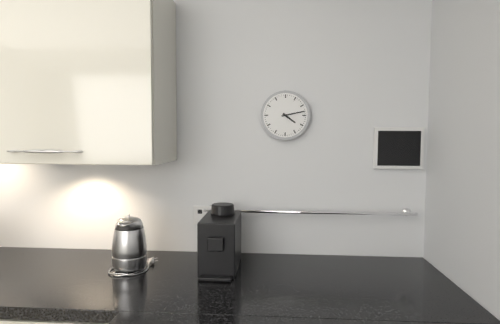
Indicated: 4 h 13 min
